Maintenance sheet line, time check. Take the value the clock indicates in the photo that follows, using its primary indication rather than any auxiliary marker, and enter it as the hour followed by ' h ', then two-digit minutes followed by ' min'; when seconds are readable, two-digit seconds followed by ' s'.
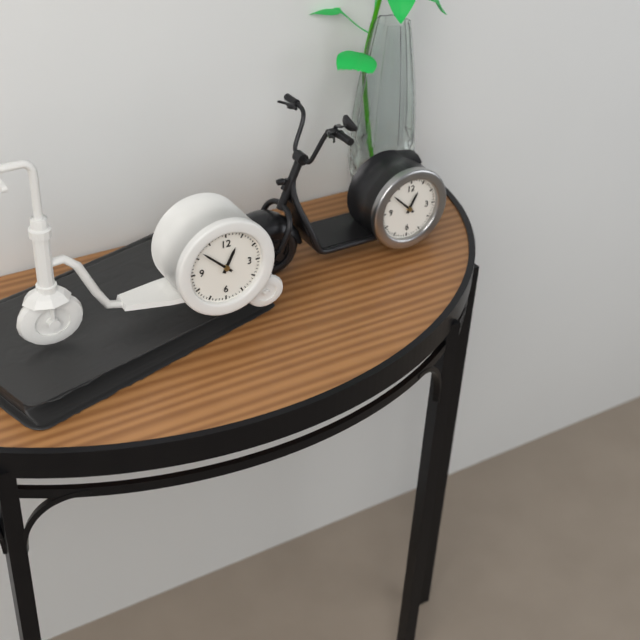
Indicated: 12 h 52 min
